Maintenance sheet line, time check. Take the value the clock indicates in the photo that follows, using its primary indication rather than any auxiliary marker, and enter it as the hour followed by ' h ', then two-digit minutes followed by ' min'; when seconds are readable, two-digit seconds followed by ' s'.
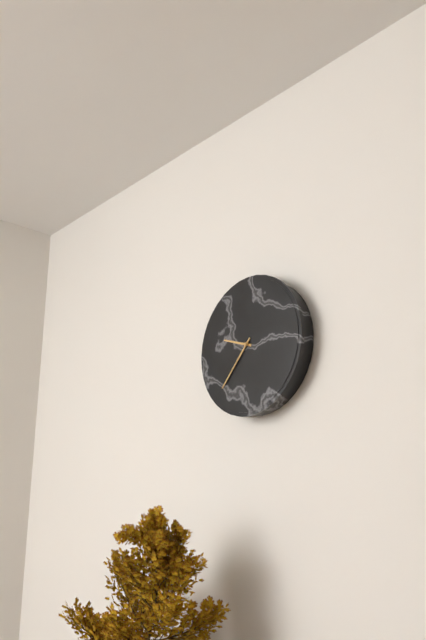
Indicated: 9 h 37 min
